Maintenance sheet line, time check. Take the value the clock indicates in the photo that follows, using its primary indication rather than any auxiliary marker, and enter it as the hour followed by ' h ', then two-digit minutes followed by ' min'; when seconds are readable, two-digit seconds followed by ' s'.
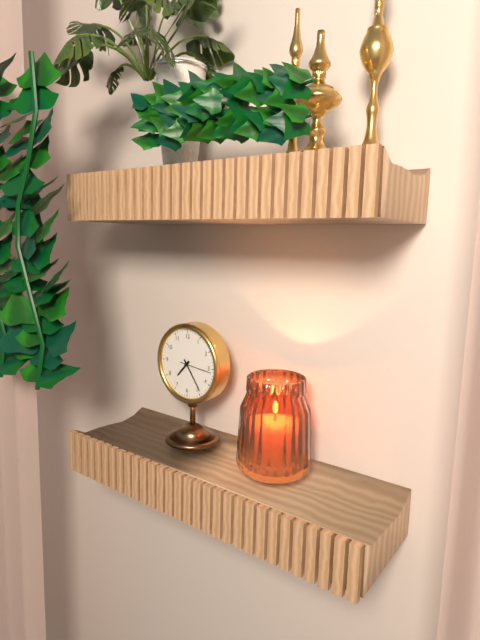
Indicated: 7 h 24 min
